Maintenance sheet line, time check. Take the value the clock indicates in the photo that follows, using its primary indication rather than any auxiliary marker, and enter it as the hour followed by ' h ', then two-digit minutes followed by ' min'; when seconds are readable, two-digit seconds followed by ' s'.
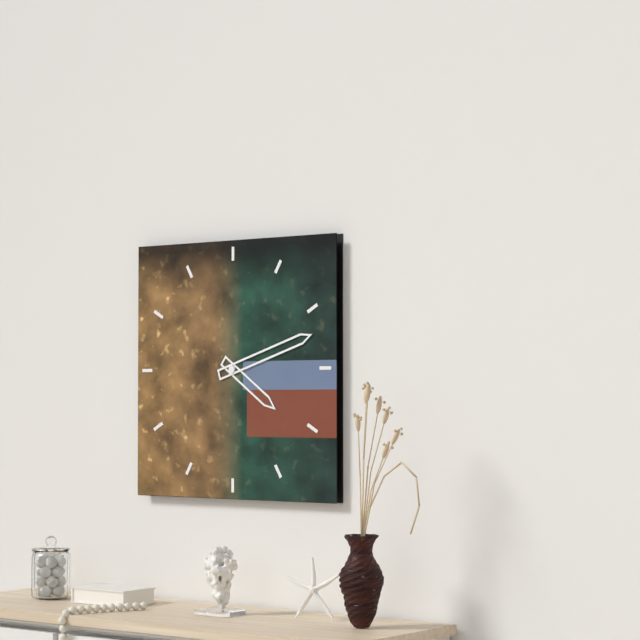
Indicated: 4 h 12 min
